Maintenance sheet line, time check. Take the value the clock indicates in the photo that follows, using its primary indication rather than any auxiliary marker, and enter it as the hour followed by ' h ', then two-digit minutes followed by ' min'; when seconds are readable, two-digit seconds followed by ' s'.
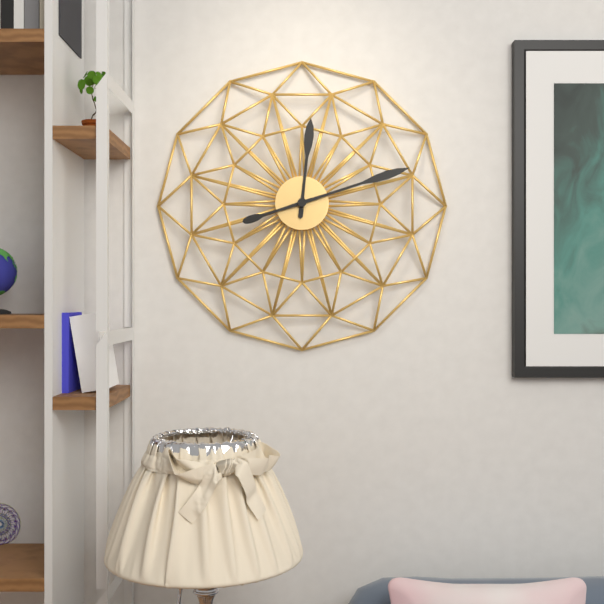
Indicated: 12 h 12 min
